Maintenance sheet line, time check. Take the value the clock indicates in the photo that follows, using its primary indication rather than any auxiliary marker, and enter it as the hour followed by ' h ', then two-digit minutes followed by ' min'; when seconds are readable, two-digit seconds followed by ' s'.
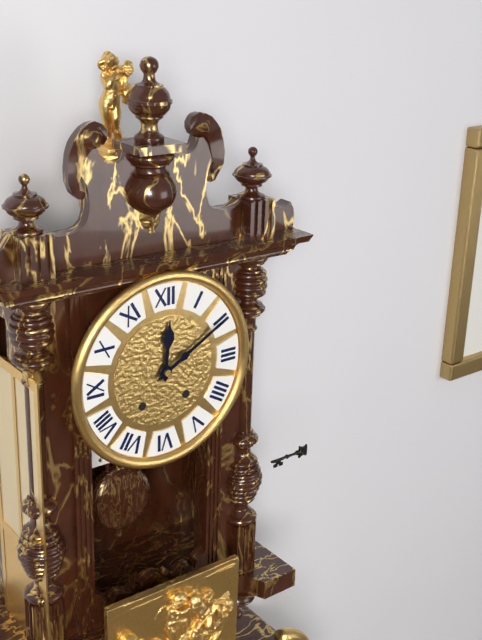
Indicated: 12 h 10 min
